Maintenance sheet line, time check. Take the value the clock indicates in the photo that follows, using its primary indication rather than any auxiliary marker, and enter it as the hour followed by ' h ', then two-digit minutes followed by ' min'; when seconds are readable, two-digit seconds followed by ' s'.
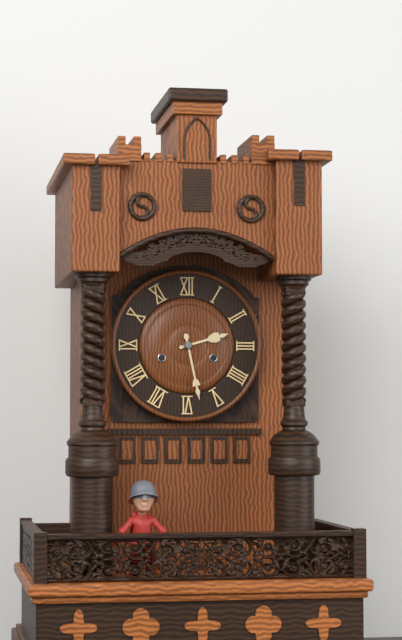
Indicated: 2 h 28 min
